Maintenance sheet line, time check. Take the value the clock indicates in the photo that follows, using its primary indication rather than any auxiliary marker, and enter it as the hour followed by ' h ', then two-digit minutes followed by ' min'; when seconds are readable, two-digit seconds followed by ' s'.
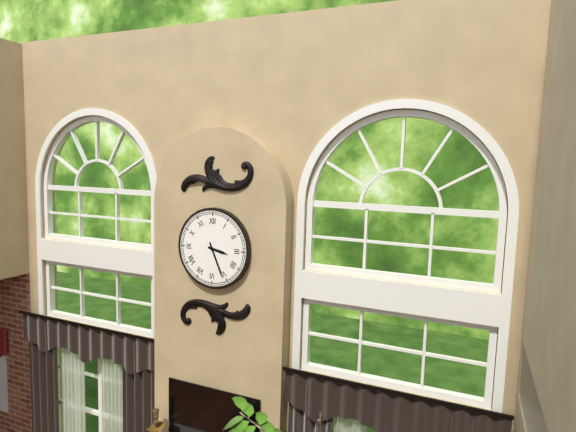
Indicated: 3 h 26 min
